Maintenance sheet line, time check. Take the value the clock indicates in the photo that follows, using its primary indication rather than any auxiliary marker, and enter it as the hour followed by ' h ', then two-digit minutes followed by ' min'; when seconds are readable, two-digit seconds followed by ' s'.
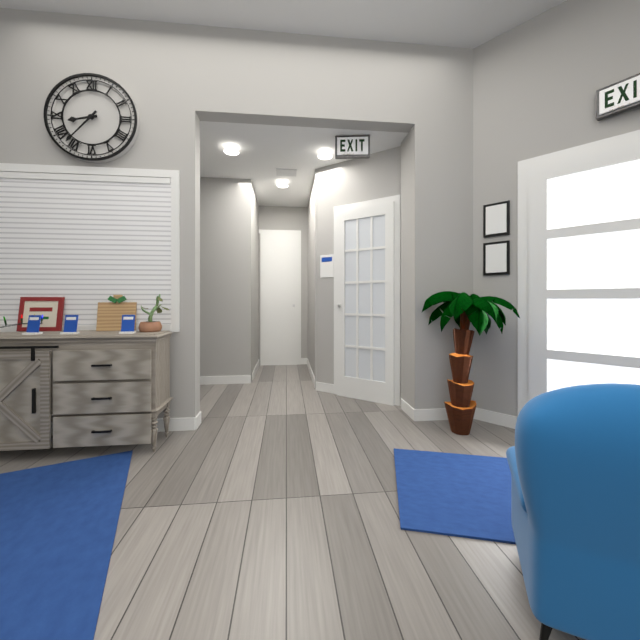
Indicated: 8 h 37 min
